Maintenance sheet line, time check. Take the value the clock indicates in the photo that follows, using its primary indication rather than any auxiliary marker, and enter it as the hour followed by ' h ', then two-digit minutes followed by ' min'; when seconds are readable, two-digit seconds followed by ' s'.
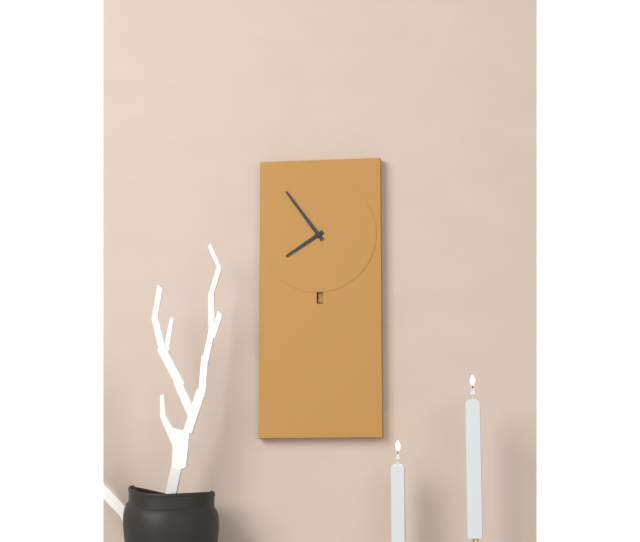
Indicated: 7 h 54 min
